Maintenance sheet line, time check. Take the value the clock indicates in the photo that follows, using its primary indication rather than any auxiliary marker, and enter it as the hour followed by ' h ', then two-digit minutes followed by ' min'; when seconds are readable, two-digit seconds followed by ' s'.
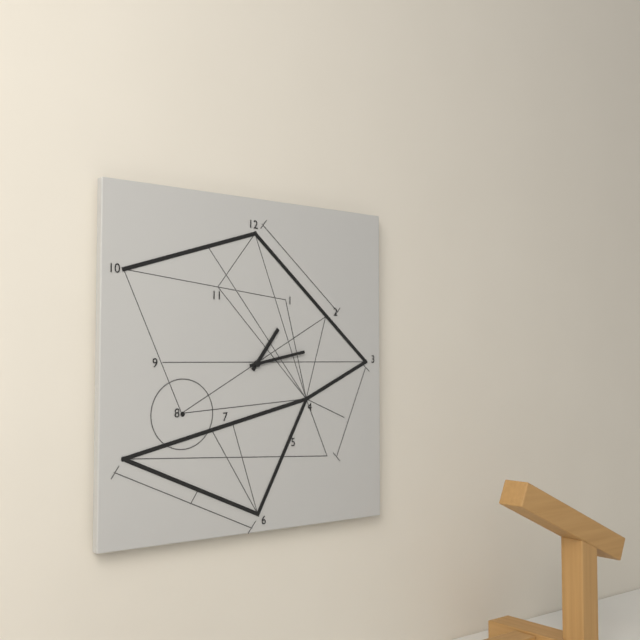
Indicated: 1 h 13 min
